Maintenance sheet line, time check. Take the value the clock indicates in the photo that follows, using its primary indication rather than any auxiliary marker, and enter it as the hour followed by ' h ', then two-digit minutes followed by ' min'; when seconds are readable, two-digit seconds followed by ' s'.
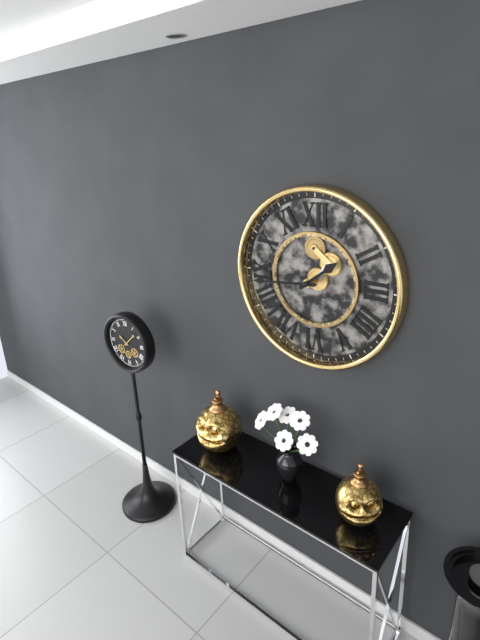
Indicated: 1 h 44 min
